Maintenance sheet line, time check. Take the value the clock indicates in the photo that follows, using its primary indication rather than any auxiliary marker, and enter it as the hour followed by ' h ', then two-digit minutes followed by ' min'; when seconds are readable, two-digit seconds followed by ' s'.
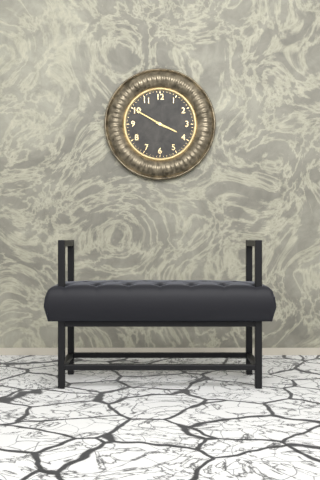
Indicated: 3 h 50 min
